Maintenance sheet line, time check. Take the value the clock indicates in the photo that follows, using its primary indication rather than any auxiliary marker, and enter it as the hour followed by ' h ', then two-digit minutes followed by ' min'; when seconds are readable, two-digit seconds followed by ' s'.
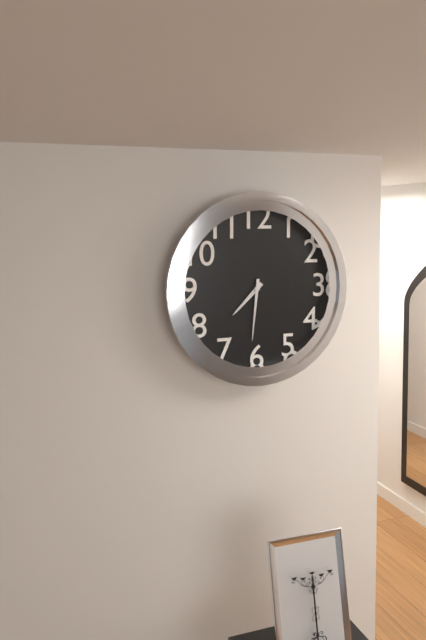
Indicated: 7 h 31 min
